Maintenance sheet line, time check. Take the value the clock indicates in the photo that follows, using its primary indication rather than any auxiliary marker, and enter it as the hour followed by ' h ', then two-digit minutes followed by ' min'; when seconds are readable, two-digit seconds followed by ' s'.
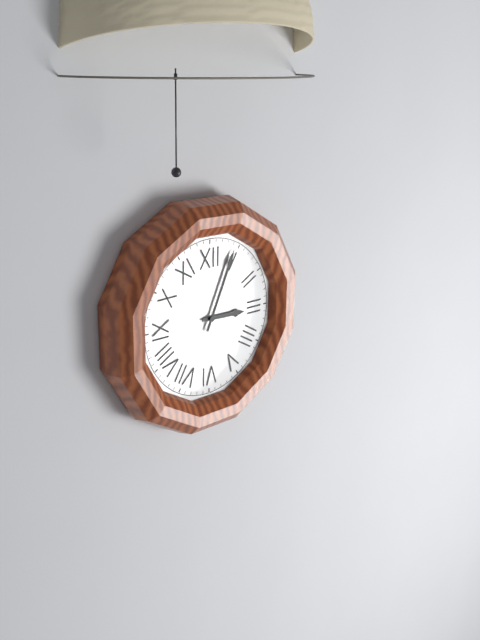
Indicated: 3 h 04 min
